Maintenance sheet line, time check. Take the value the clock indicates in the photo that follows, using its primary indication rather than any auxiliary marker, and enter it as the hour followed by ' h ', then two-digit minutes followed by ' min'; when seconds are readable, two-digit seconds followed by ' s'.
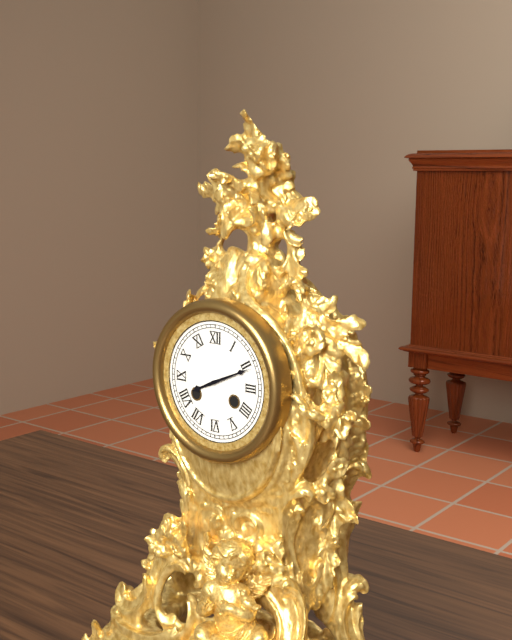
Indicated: 8 h 11 min
